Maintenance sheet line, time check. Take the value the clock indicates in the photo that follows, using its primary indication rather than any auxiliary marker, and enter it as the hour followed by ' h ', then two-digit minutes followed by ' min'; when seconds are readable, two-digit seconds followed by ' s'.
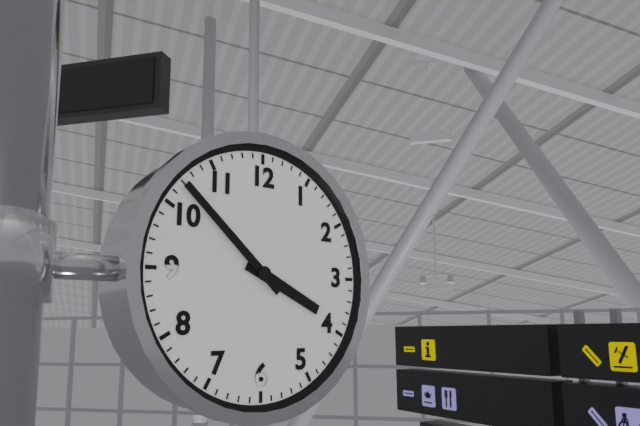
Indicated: 3 h 52 min
